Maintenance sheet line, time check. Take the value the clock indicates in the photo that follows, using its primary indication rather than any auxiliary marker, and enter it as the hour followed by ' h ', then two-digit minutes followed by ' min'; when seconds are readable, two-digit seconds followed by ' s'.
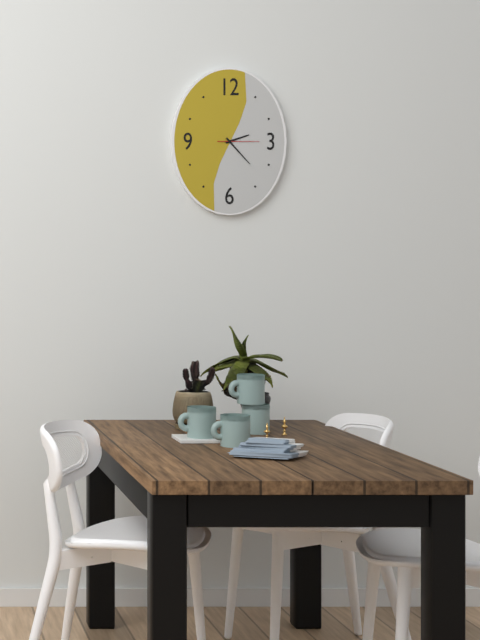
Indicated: 2 h 23 min
